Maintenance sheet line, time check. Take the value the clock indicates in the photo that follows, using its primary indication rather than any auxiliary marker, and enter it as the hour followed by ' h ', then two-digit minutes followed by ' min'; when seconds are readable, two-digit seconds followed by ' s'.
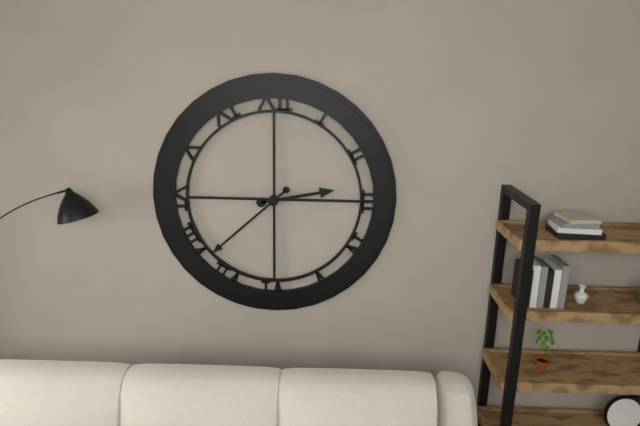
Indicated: 2 h 38 min
